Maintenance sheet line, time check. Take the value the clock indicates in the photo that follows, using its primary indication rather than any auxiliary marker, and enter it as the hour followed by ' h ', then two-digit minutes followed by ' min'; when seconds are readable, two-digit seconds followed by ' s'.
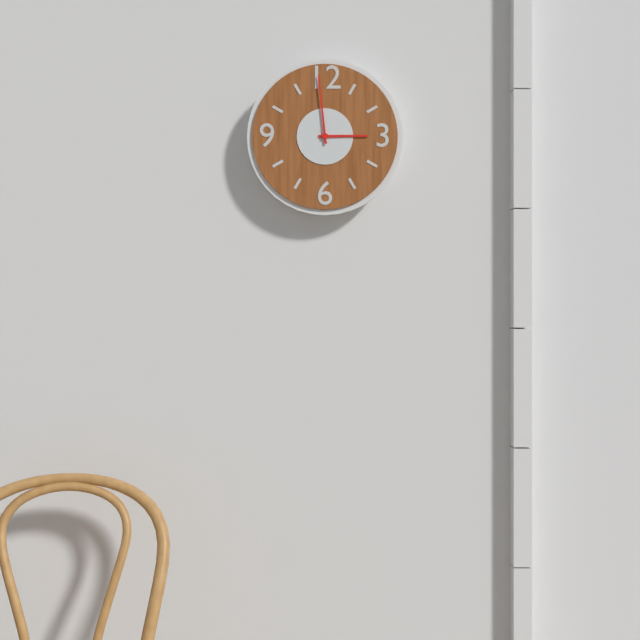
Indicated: 2 h 59 min
